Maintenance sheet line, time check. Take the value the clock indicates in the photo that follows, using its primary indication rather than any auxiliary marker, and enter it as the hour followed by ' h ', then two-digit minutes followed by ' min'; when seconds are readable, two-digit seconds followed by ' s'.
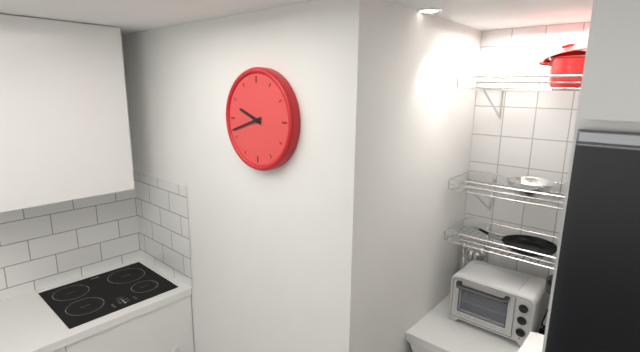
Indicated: 9 h 42 min
